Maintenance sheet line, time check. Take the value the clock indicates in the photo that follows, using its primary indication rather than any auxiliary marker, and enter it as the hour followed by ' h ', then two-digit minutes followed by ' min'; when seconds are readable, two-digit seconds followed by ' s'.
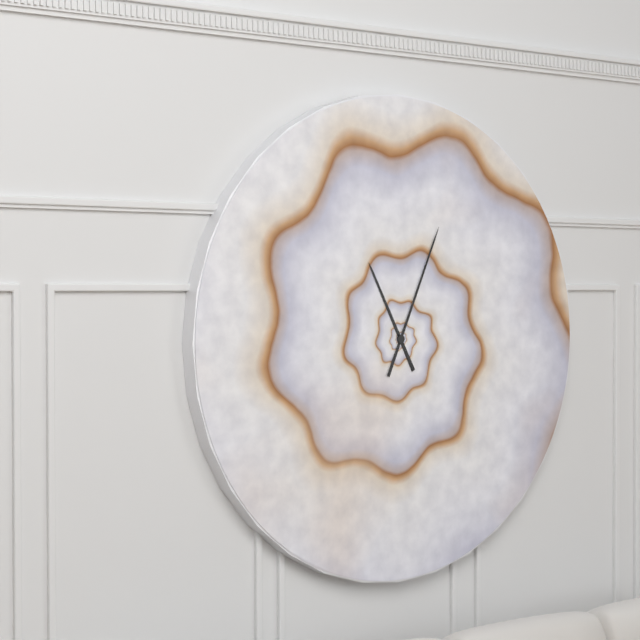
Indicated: 11 h 04 min
